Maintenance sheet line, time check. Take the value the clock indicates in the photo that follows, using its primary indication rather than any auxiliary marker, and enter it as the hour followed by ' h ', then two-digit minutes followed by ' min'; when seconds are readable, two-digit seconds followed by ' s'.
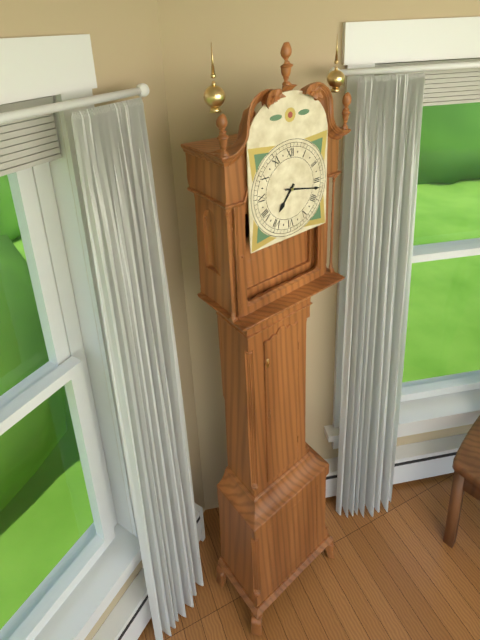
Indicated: 7 h 17 min
